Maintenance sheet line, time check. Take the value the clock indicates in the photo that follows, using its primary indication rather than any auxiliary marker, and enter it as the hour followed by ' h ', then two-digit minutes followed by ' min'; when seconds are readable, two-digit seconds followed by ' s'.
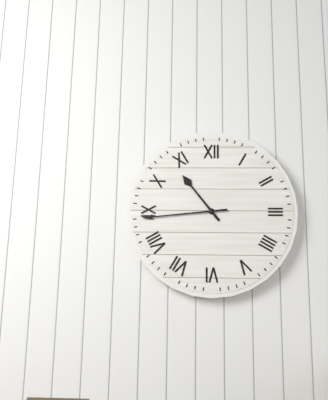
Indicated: 10 h 44 min
